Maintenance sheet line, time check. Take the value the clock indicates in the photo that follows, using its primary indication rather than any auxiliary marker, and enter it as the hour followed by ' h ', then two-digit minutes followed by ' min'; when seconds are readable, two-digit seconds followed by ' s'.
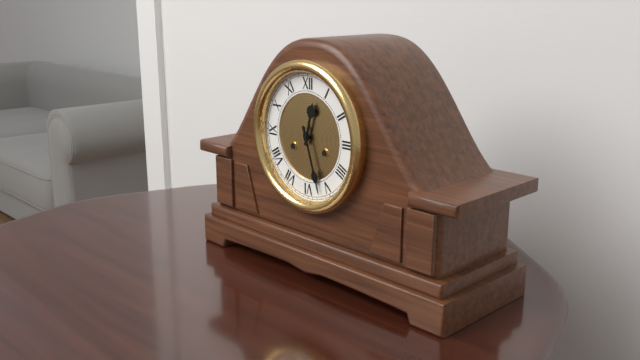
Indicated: 12 h 27 min
